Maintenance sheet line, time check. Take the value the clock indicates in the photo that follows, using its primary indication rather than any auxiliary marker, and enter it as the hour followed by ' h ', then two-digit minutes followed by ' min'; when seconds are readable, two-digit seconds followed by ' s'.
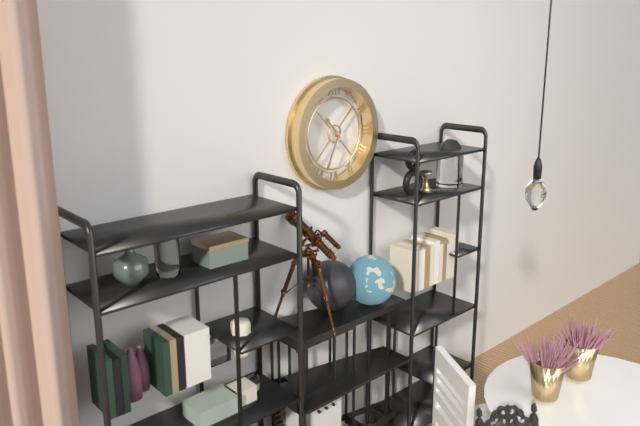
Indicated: 10 h 34 min
